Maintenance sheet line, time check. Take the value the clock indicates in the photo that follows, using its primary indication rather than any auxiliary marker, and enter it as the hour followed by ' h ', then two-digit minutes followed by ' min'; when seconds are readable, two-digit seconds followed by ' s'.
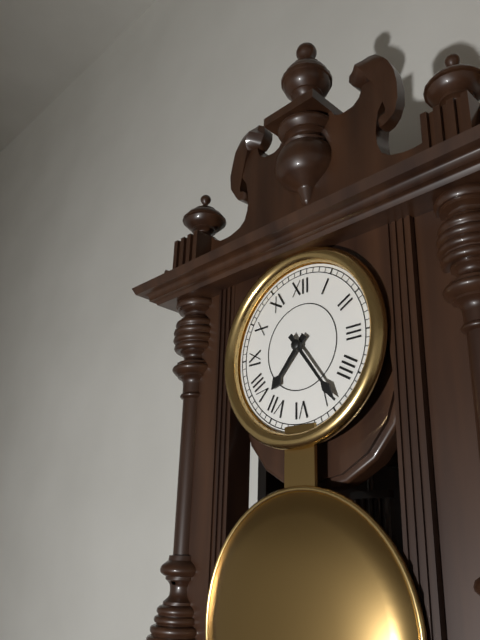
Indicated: 7 h 24 min
